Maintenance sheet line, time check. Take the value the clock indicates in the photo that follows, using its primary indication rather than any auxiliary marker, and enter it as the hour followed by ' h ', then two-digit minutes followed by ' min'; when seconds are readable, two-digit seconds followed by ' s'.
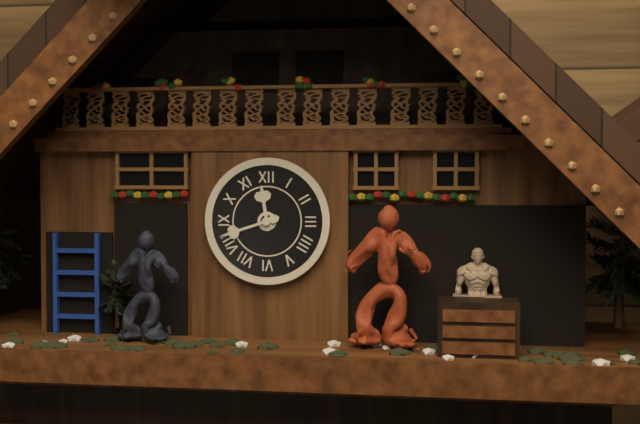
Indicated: 11 h 42 min
